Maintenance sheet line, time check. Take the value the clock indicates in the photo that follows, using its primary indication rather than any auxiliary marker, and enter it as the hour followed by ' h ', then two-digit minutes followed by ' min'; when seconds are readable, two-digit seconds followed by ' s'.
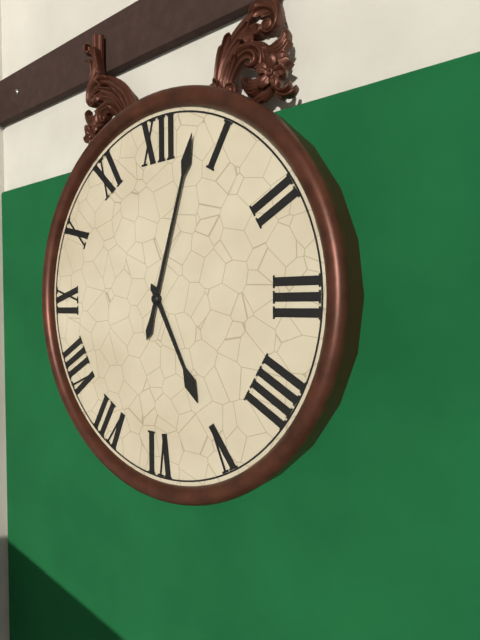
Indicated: 5 h 03 min
